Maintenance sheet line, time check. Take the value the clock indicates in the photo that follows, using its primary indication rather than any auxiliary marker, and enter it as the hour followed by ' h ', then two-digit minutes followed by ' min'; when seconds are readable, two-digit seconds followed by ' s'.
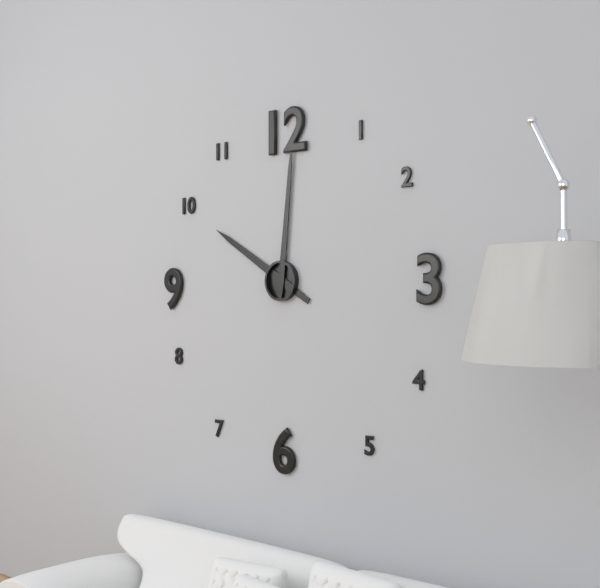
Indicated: 10 h 01 min
